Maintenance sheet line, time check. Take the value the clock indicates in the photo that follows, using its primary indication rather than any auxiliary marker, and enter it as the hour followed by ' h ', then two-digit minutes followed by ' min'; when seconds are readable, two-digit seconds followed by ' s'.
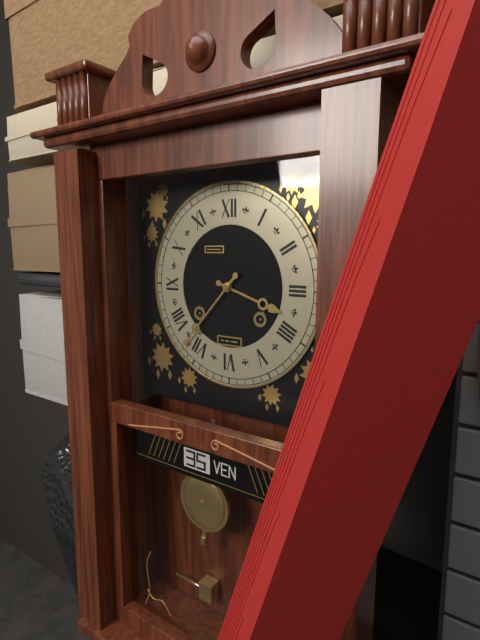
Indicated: 3 h 37 min
